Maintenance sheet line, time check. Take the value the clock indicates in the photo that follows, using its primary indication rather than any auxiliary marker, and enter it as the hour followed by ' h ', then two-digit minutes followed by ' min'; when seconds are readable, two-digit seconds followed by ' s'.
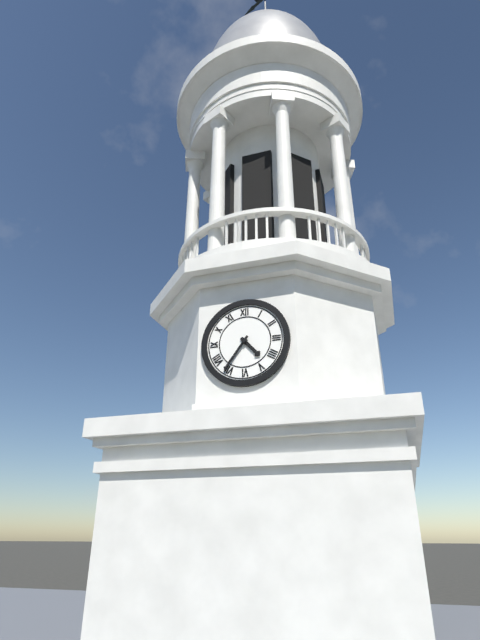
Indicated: 4 h 36 min
